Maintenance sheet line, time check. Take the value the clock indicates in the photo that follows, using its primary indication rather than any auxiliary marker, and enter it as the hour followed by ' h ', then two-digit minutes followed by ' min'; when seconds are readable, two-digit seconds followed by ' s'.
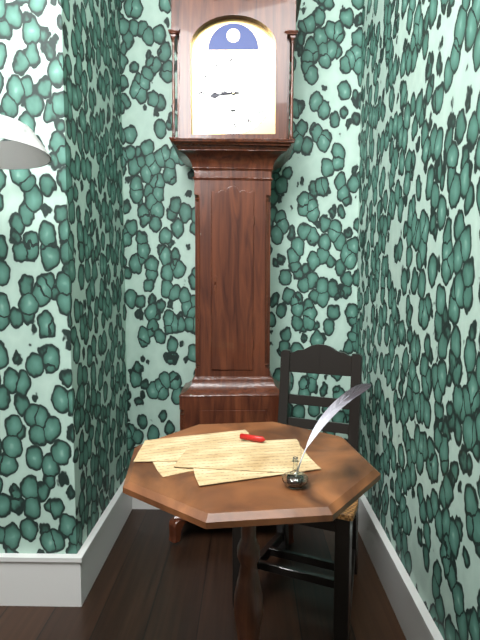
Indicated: 8 h 45 min
